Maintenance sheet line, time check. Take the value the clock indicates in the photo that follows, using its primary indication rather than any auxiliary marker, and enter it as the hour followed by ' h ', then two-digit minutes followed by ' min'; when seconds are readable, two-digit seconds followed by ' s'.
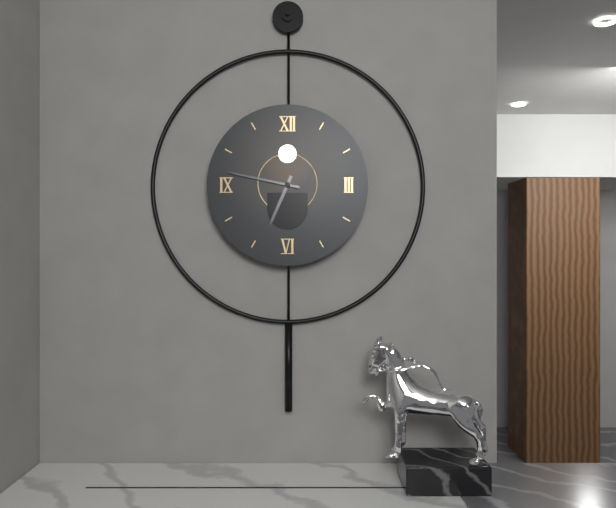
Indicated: 6 h 47 min
